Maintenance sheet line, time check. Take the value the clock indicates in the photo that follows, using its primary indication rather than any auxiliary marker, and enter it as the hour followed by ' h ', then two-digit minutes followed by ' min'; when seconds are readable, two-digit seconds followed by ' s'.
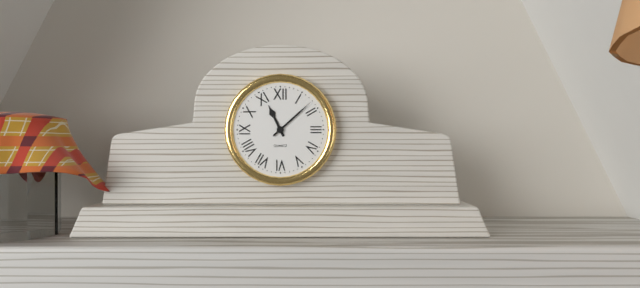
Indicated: 11 h 08 min
